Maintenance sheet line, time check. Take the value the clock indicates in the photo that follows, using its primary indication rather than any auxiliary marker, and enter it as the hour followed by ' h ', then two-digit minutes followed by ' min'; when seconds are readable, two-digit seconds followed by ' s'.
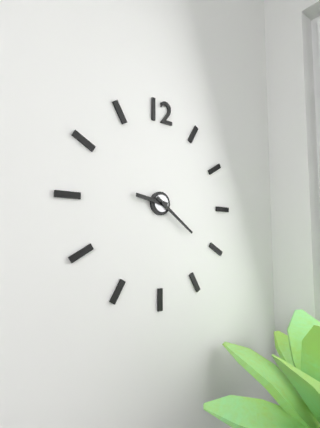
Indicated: 9 h 21 min
